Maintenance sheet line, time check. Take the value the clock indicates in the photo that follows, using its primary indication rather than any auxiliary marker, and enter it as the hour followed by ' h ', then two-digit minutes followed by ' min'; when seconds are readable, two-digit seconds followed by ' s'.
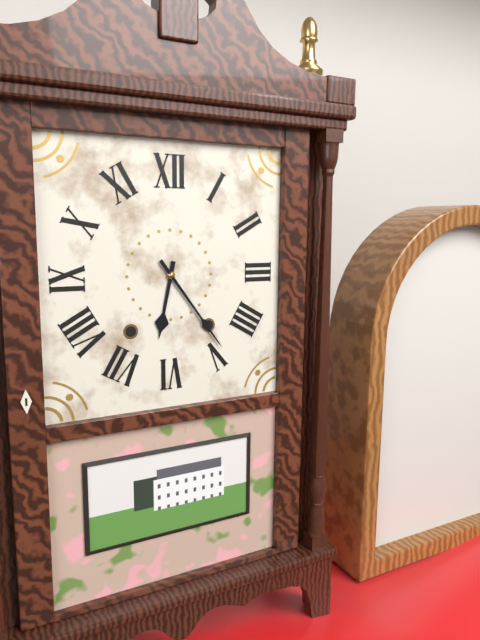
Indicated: 6 h 24 min
